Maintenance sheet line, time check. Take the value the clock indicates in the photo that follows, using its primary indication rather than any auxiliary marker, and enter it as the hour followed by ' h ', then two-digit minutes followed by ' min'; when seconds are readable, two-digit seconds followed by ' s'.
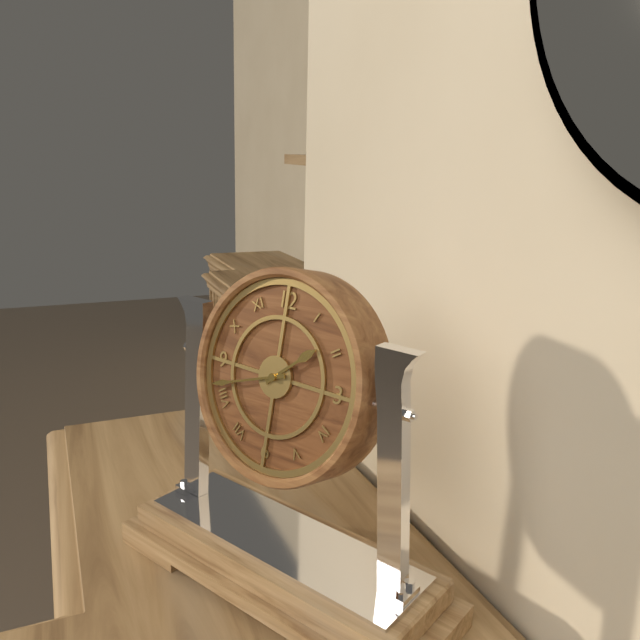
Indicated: 1 h 42 min
